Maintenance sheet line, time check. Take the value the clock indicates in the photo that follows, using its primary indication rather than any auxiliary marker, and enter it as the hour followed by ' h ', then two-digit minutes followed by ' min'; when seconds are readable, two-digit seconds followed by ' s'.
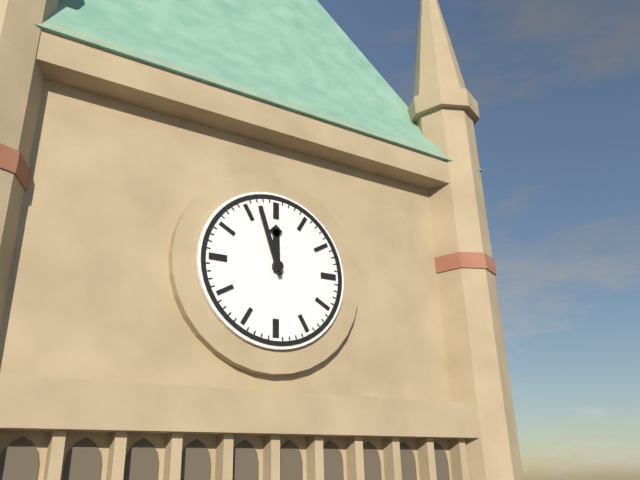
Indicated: 11 h 57 min
